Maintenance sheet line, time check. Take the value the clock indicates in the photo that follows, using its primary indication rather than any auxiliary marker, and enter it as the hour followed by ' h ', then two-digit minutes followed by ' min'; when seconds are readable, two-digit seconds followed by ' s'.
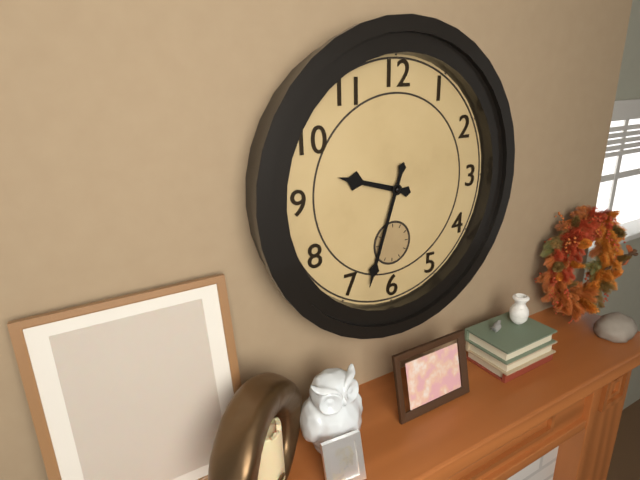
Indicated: 9 h 33 min
